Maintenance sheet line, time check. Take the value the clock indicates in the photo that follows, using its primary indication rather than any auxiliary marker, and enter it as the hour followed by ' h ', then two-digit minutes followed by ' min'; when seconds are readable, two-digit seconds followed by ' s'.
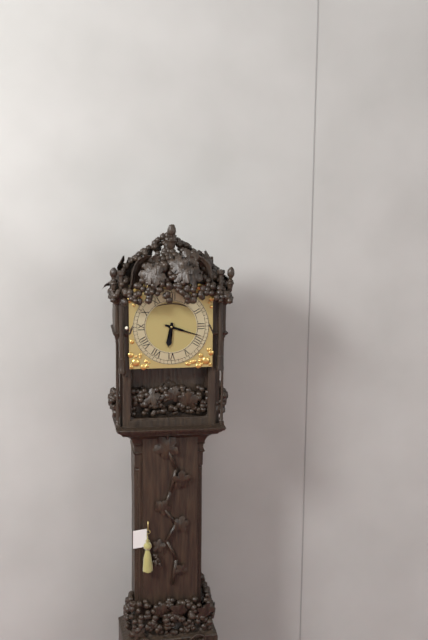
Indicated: 6 h 18 min
